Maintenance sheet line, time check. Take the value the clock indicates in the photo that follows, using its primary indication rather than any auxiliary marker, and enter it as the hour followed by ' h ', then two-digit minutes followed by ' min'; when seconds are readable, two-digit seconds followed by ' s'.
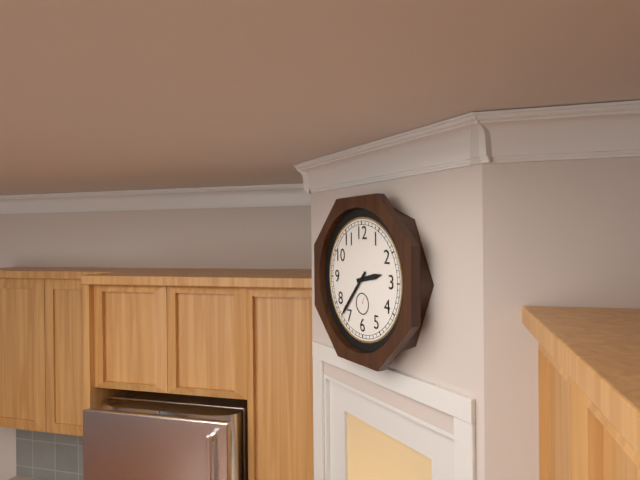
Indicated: 2 h 37 min
